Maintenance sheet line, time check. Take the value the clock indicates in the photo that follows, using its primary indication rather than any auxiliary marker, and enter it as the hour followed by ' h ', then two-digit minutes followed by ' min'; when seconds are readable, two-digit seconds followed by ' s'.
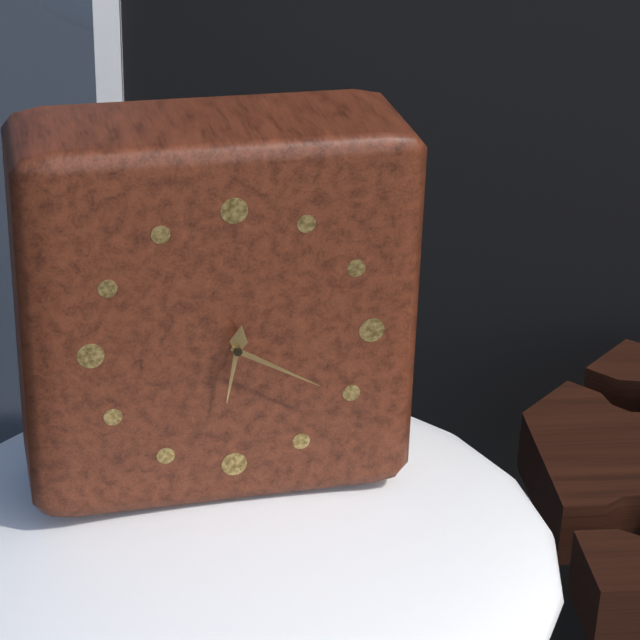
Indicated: 6 h 20 min
